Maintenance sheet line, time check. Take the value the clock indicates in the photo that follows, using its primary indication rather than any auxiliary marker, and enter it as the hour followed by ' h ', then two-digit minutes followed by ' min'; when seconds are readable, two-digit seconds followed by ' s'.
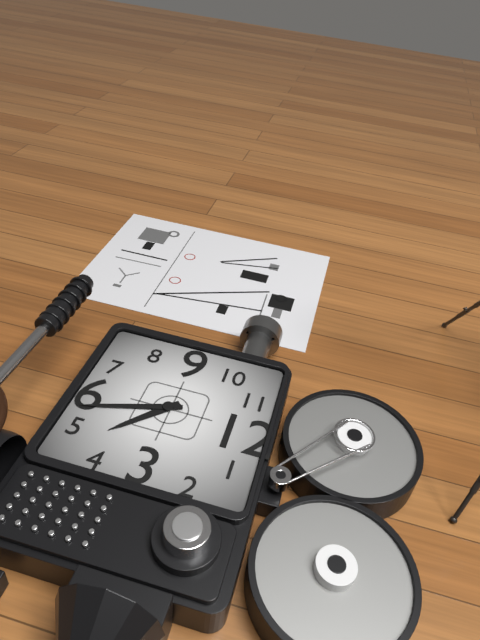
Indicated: 4 h 27 min
